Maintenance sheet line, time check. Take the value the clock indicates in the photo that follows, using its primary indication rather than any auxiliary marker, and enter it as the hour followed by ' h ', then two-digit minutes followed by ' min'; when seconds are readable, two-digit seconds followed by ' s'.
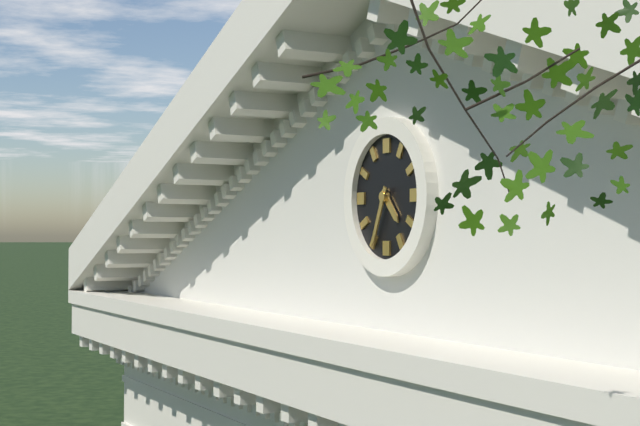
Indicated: 4 h 34 min
